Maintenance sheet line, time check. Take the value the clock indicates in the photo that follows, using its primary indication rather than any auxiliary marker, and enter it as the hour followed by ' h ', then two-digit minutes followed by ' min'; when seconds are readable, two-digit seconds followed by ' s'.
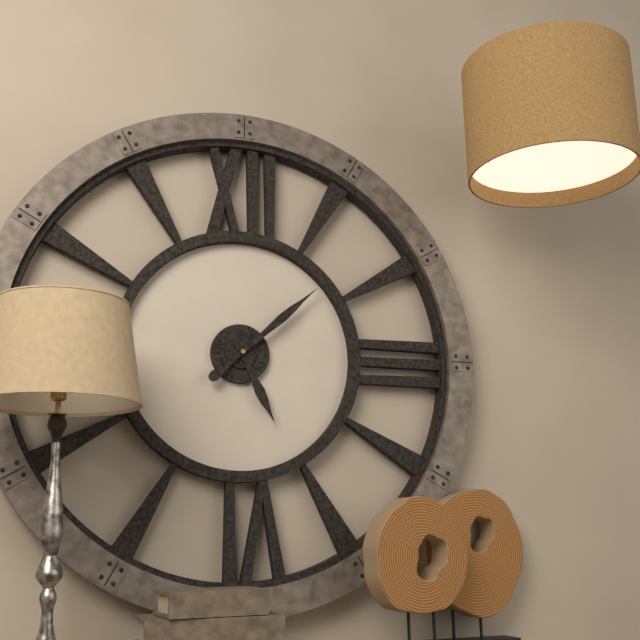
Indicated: 5 h 08 min
